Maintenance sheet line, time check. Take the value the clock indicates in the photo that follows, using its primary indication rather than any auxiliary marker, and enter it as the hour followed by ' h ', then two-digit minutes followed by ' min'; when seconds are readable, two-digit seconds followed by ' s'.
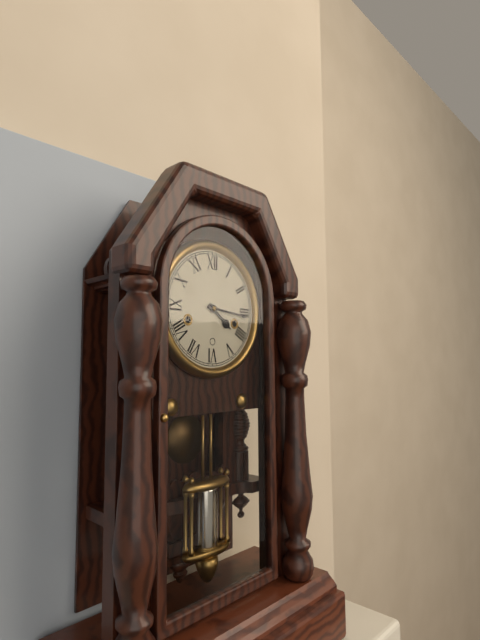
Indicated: 4 h 16 min
